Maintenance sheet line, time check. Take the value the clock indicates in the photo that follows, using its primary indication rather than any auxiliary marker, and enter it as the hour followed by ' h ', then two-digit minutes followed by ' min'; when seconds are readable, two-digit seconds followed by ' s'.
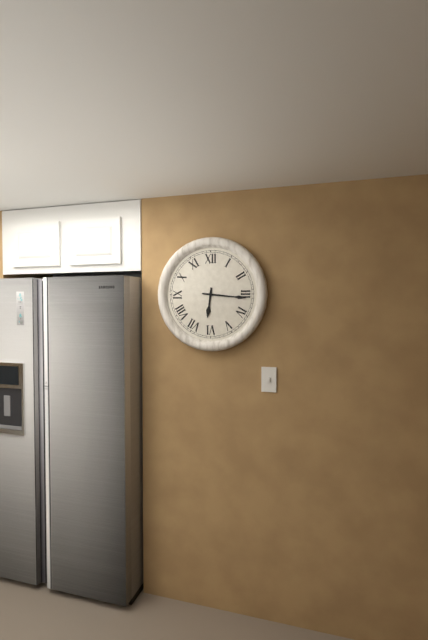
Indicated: 6 h 16 min
